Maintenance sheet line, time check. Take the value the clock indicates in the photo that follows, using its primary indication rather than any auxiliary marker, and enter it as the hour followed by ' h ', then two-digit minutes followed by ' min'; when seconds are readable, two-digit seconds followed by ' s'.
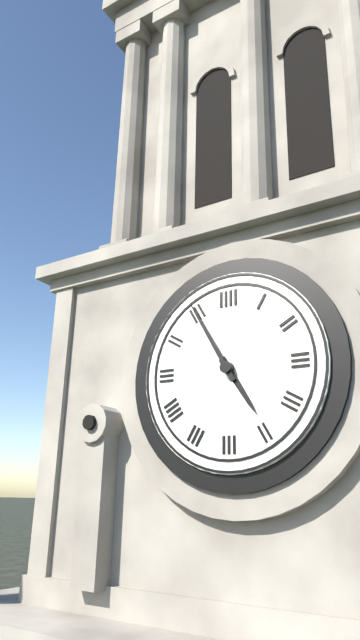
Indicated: 4 h 55 min
